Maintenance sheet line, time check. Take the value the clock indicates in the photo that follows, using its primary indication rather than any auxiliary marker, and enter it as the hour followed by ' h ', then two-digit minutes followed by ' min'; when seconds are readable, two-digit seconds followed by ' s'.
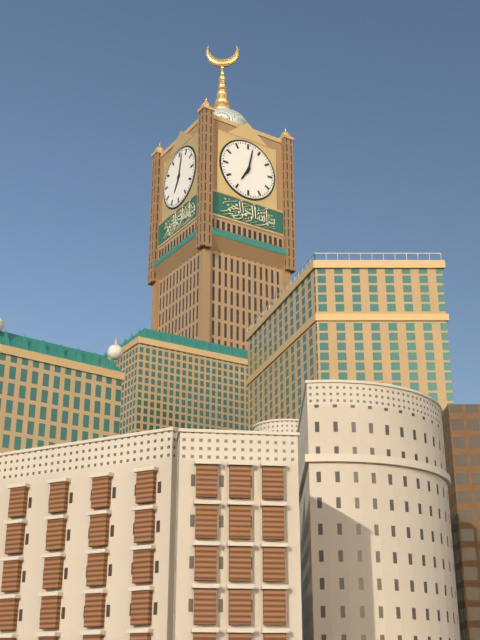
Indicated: 7 h 02 min
